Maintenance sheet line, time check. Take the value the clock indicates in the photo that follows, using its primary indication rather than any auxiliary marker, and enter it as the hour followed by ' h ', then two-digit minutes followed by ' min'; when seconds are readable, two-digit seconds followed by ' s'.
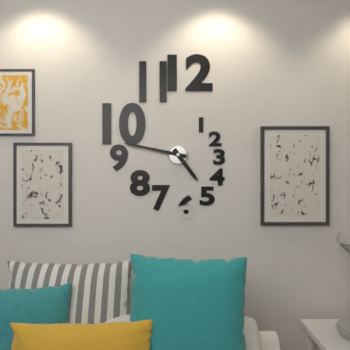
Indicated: 4 h 47 min
